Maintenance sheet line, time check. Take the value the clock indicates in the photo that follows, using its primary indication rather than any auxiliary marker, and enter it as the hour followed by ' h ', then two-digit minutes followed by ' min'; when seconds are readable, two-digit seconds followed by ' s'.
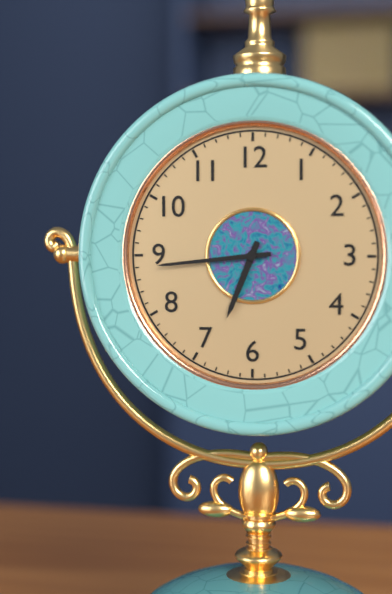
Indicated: 6 h 44 min
